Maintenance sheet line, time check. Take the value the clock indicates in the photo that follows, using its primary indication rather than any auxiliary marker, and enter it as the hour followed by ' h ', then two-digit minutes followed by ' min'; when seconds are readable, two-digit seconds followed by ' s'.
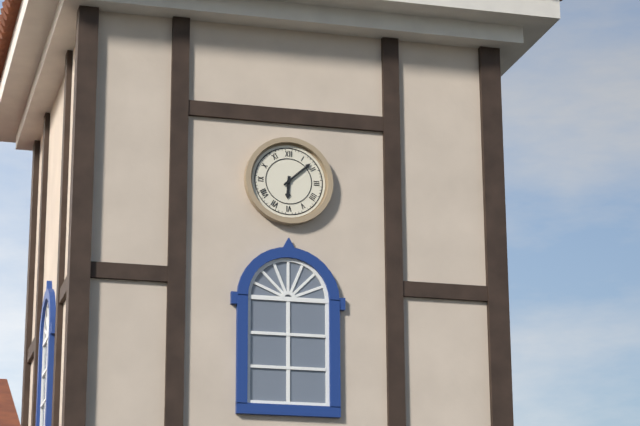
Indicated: 6 h 08 min
